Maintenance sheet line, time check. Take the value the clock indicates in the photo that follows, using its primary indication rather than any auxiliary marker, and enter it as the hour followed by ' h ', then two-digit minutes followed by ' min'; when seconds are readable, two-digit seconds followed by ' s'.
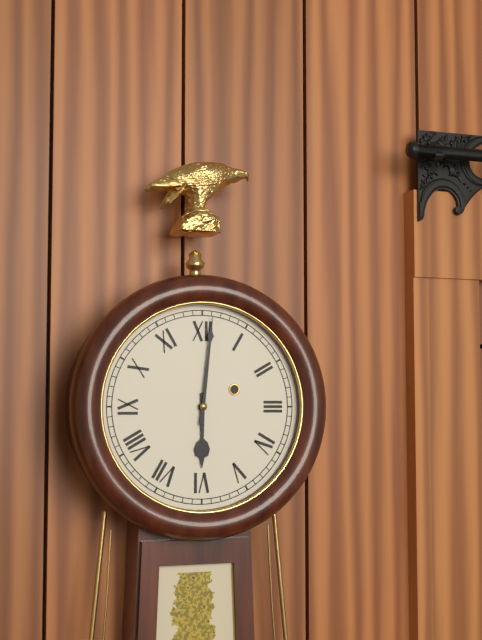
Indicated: 6 h 01 min
